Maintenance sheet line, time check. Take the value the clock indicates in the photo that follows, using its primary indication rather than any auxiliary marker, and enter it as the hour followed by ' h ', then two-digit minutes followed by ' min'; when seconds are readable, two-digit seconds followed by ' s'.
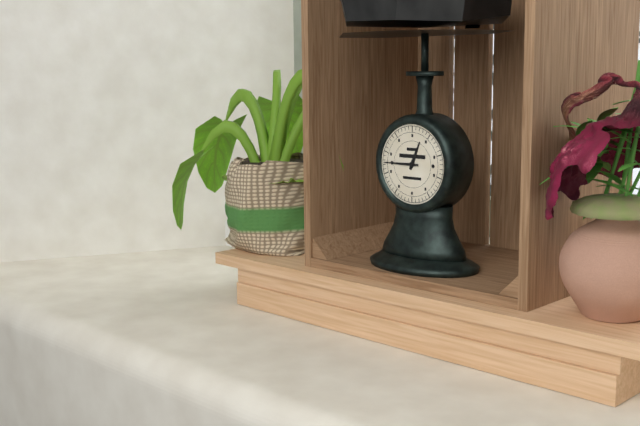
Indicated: 12 h 45 min
